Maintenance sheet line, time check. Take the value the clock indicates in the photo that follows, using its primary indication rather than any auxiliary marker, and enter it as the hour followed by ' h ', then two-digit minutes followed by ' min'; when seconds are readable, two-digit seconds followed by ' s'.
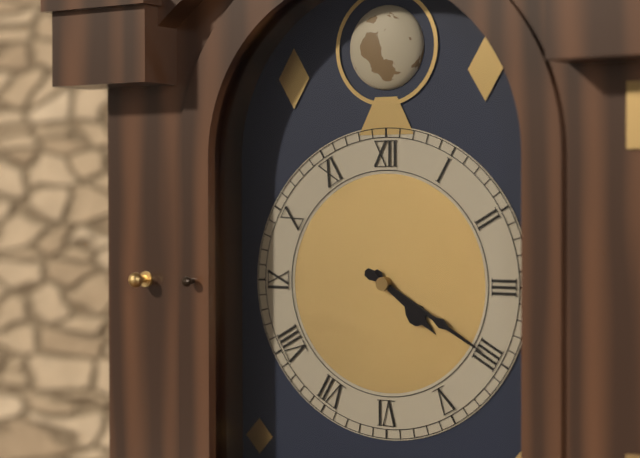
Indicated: 4 h 20 min
